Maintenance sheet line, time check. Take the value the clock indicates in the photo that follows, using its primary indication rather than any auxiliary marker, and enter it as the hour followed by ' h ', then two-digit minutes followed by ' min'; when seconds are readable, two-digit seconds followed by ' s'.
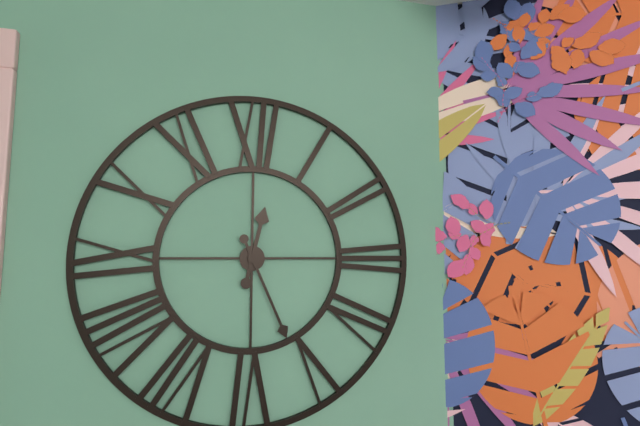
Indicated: 12 h 26 min
